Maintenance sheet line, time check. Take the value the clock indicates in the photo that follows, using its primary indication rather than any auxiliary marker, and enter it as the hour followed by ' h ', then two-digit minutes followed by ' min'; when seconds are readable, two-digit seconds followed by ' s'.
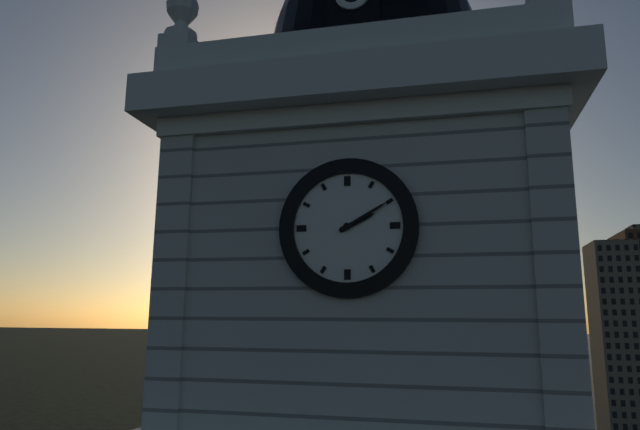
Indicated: 2 h 10 min
